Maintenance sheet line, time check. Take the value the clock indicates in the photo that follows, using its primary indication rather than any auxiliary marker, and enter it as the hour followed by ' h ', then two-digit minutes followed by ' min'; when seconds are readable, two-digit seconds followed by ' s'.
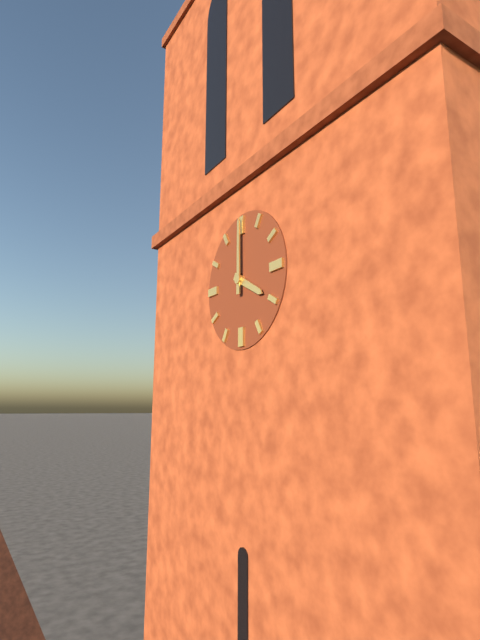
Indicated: 4 h 00 min
